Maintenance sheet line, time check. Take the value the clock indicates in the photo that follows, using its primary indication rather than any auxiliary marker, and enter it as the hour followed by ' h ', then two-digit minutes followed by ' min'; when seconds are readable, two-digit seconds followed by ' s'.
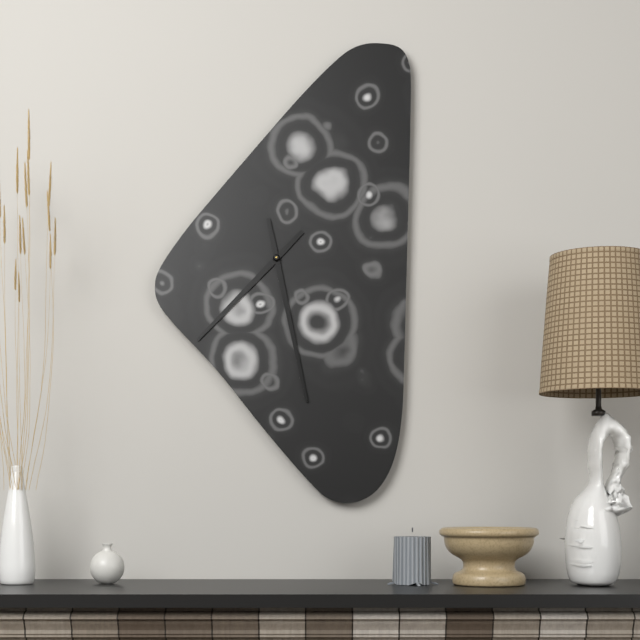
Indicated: 7 h 28 min
